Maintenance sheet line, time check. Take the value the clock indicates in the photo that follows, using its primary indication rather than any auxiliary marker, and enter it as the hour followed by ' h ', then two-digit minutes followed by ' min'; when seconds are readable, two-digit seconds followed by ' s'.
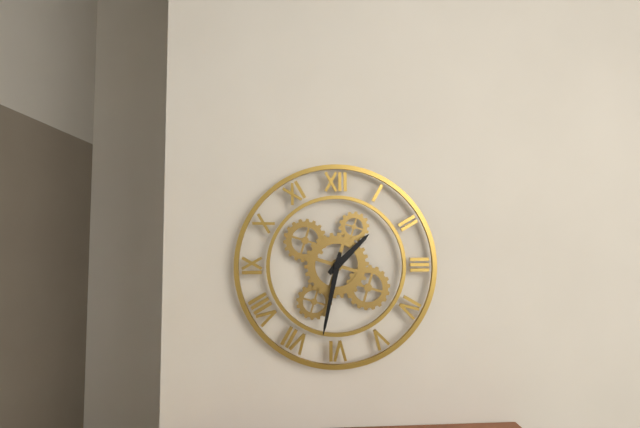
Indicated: 1 h 32 min
